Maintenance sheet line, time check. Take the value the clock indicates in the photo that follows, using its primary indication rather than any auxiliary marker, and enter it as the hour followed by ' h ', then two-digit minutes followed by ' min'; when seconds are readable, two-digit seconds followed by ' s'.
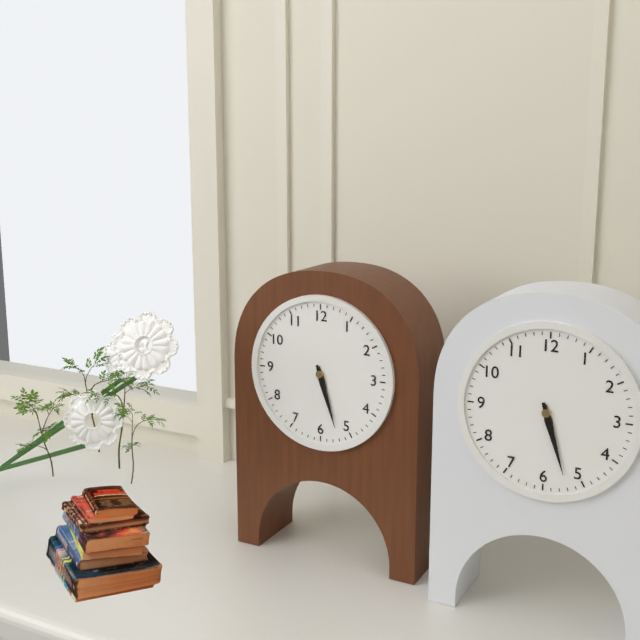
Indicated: 5 h 27 min
